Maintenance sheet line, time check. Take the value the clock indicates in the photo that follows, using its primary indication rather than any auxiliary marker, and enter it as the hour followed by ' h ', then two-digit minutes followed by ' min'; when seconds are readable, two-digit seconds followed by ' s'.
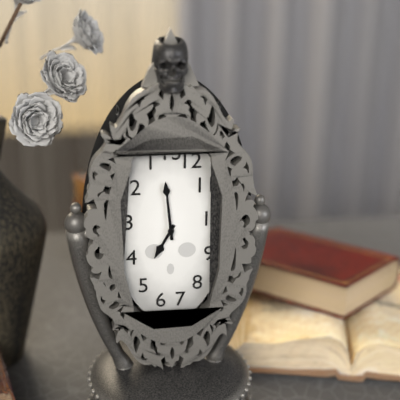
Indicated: 6 h 59 min
